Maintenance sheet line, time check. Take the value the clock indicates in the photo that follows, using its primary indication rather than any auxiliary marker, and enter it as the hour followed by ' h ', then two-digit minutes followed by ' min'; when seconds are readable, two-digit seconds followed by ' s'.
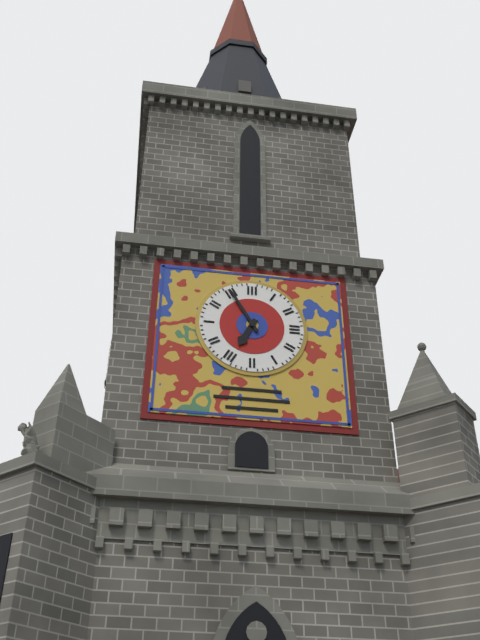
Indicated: 6 h 55 min
